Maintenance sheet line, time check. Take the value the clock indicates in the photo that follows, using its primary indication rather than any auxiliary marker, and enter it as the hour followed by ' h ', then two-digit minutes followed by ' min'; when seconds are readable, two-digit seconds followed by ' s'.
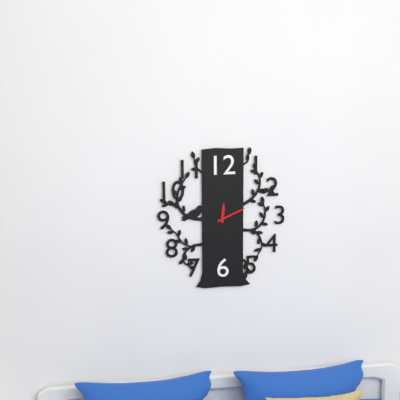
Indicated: 12 h 11 min
